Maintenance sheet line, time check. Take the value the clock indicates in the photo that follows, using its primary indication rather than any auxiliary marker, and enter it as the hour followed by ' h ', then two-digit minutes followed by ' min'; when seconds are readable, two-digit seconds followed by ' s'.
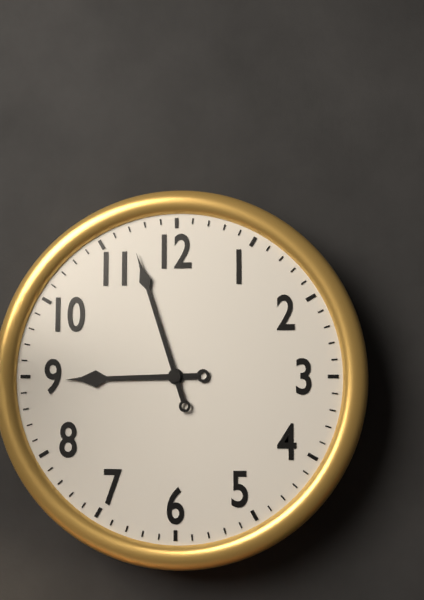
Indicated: 8 h 57 min
